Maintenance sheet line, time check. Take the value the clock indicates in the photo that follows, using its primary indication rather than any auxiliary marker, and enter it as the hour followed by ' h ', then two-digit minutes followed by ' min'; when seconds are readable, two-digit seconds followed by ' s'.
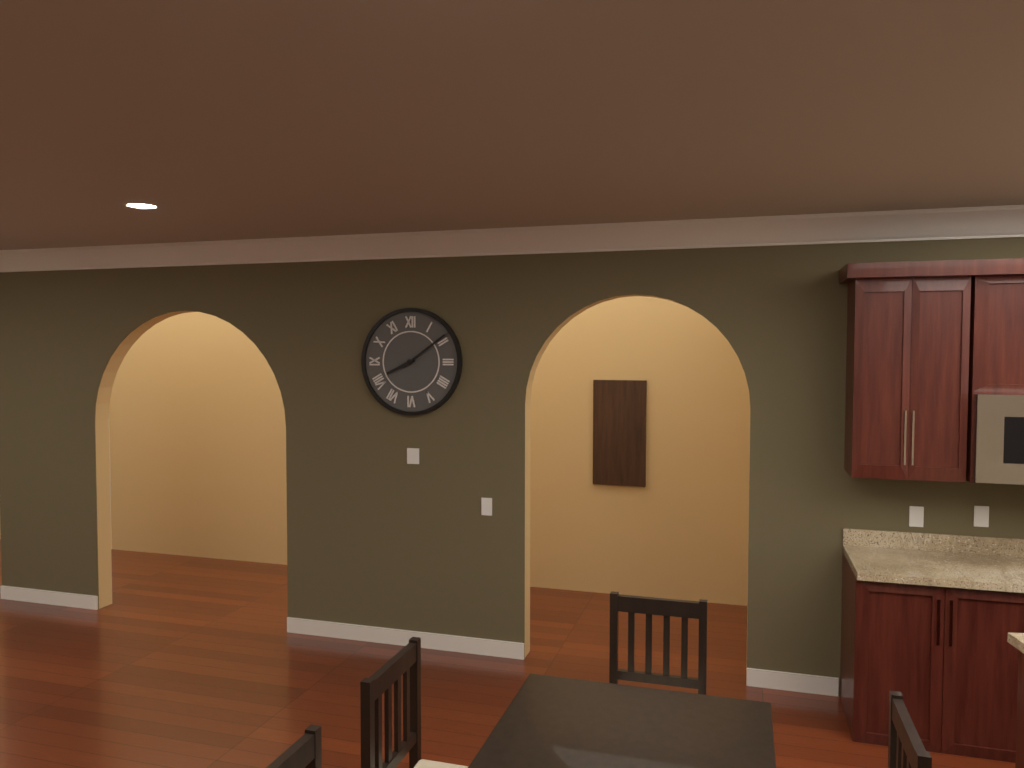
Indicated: 8 h 09 min
